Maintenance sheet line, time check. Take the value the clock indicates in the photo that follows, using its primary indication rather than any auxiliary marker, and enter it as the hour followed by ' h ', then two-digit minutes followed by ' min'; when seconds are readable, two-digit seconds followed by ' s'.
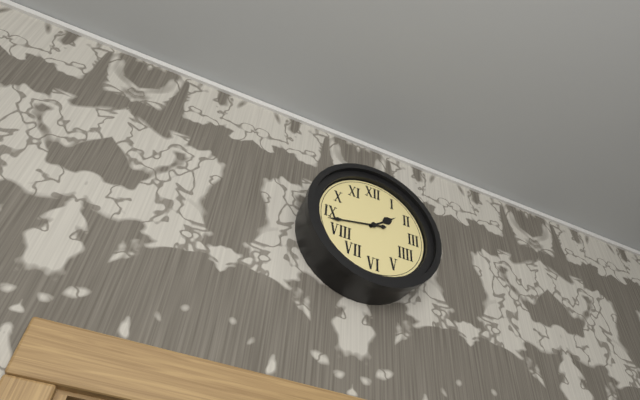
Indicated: 1 h 43 min
